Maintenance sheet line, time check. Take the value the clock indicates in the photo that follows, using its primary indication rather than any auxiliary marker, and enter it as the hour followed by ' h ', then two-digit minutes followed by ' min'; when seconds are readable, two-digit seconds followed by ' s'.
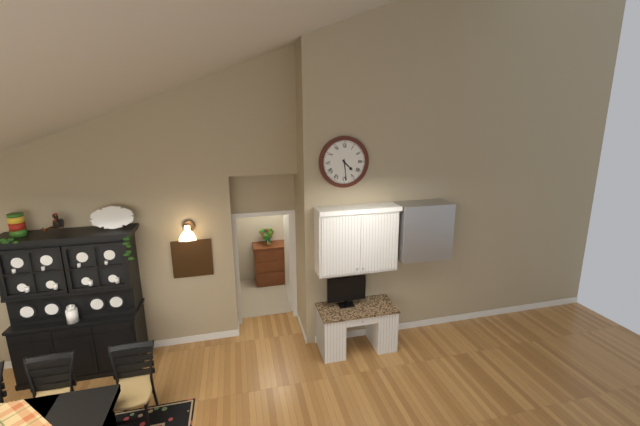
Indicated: 4 h 29 min
